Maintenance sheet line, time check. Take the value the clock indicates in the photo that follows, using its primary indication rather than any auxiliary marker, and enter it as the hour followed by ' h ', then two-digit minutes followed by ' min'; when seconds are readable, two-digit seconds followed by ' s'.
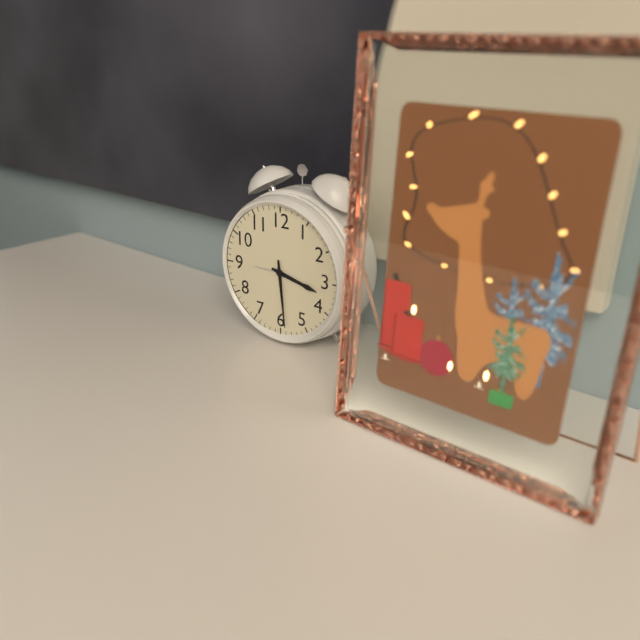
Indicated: 3 h 29 min
